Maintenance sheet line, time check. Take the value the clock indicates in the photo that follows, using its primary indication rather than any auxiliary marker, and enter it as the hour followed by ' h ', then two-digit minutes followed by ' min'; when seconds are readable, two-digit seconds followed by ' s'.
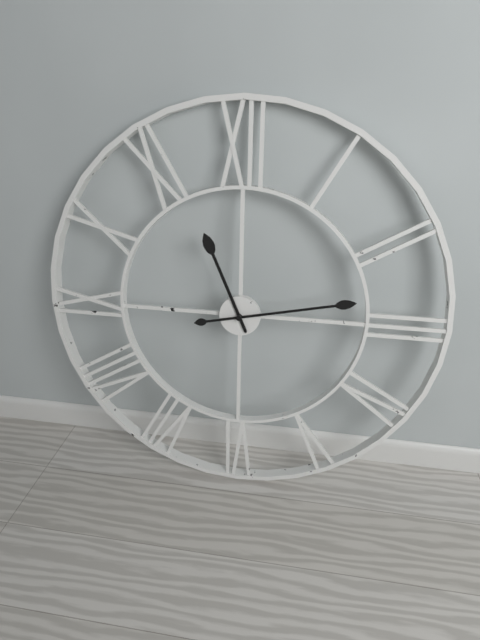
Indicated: 11 h 13 min
